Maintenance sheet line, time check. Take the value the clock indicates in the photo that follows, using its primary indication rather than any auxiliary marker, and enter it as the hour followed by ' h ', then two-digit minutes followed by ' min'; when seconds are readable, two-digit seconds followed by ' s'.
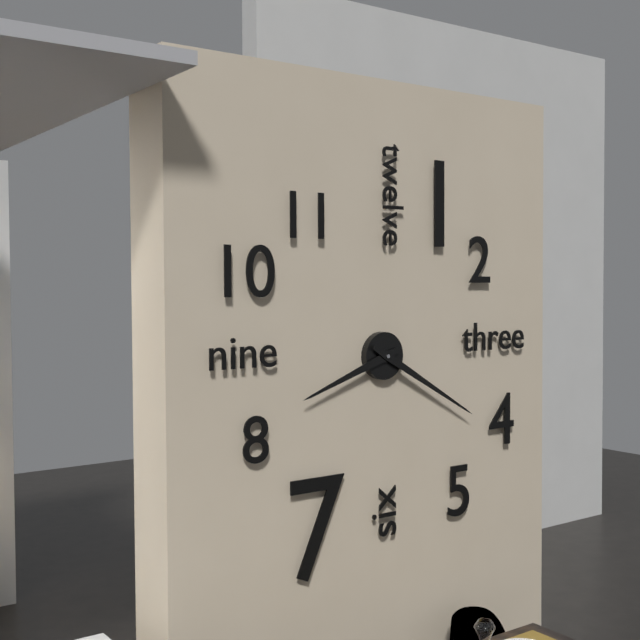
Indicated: 8 h 20 min
